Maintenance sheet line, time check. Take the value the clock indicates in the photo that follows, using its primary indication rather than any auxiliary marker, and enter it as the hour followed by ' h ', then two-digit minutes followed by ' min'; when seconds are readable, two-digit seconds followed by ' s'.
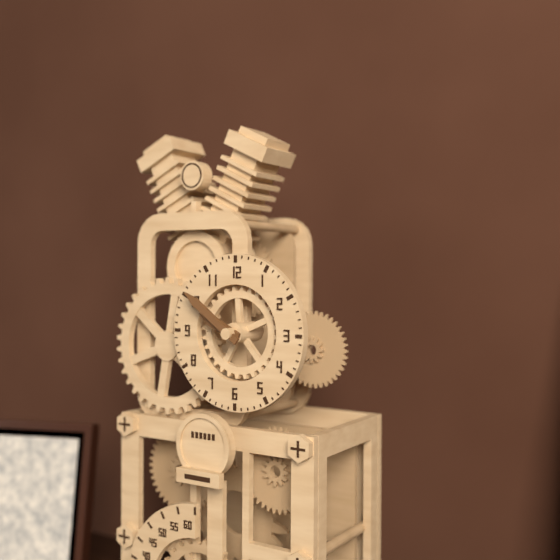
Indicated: 9 h 51 min
